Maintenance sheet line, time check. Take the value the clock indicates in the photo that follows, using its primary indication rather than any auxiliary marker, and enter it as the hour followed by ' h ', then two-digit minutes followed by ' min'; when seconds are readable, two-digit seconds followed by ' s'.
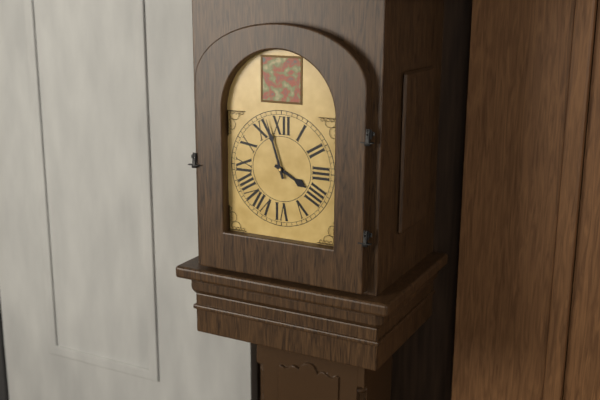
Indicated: 3 h 57 min
